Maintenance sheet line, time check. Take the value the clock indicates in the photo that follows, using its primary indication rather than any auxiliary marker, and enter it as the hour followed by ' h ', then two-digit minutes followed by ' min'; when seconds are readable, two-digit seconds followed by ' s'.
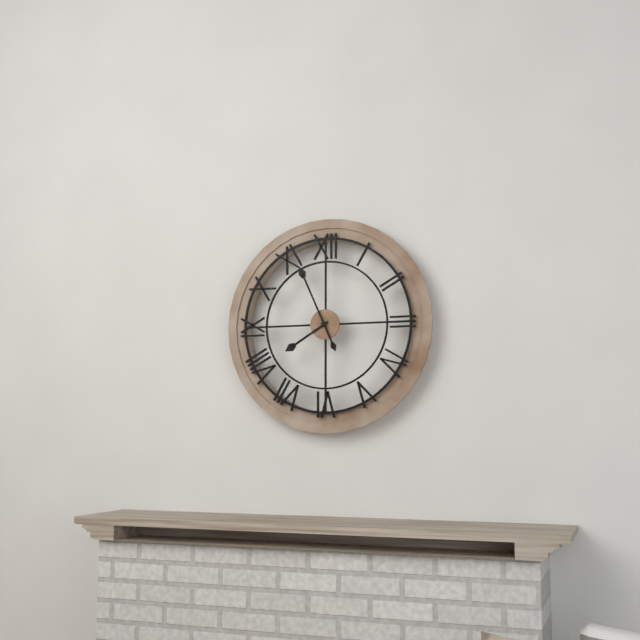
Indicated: 7 h 56 min
